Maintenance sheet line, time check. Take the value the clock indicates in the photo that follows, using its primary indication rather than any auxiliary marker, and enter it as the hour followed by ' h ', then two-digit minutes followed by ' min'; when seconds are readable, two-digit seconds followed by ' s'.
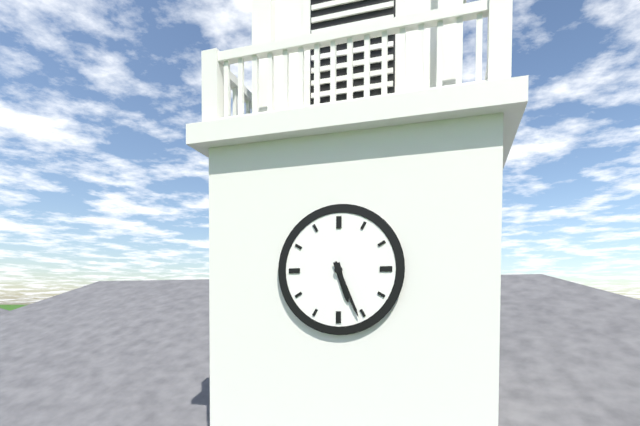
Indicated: 5 h 26 min
